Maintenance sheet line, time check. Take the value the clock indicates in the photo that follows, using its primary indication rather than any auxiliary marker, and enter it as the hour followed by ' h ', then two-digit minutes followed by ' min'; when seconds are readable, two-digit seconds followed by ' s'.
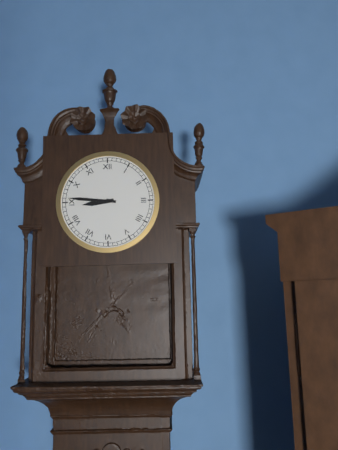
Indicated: 8 h 46 min
